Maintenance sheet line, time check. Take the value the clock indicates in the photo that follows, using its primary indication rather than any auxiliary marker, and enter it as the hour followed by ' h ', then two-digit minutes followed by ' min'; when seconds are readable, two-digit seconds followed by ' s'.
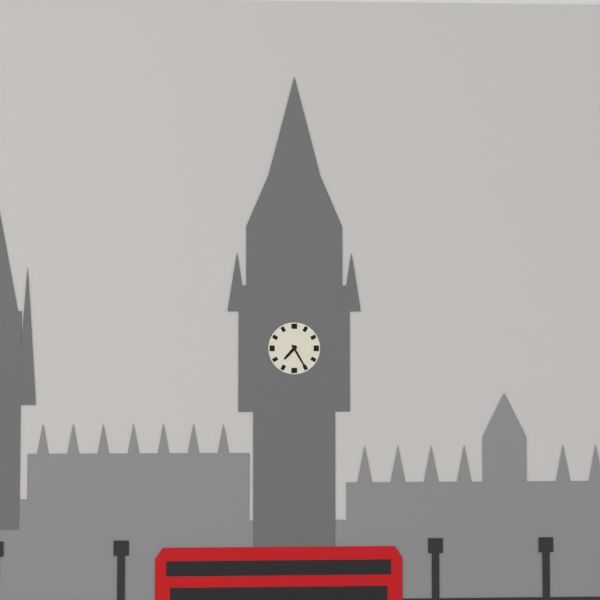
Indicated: 7 h 25 min
